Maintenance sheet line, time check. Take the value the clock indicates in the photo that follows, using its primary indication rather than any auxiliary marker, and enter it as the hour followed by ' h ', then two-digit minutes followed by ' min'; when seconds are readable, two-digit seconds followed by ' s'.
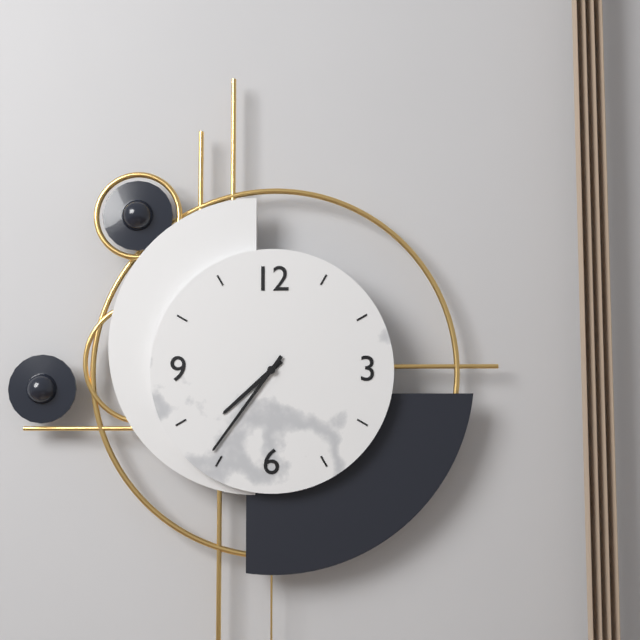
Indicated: 7 h 36 min
